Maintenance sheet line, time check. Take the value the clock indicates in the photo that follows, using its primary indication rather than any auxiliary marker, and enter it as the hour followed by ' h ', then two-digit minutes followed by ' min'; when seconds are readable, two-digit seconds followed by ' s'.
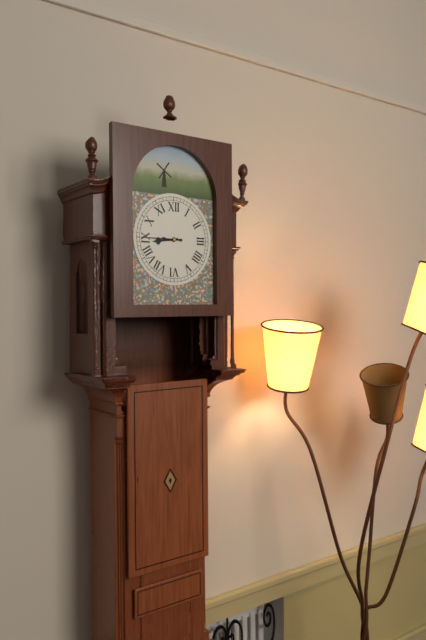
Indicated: 8 h 45 min
